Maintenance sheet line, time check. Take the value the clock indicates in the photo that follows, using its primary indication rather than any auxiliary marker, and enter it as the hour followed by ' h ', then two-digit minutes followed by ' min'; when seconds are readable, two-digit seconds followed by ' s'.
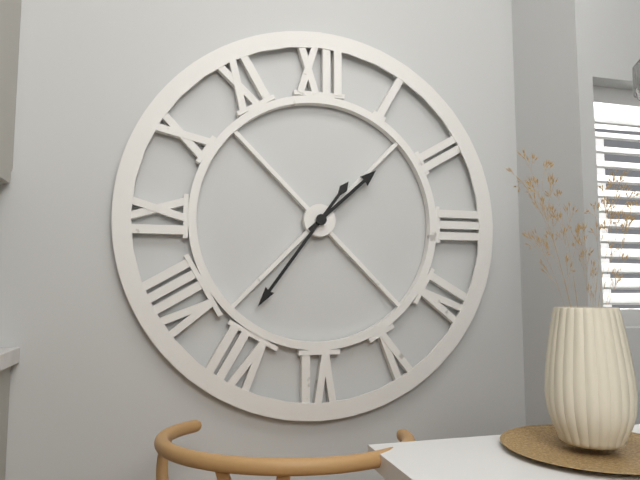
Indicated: 1 h 36 min
